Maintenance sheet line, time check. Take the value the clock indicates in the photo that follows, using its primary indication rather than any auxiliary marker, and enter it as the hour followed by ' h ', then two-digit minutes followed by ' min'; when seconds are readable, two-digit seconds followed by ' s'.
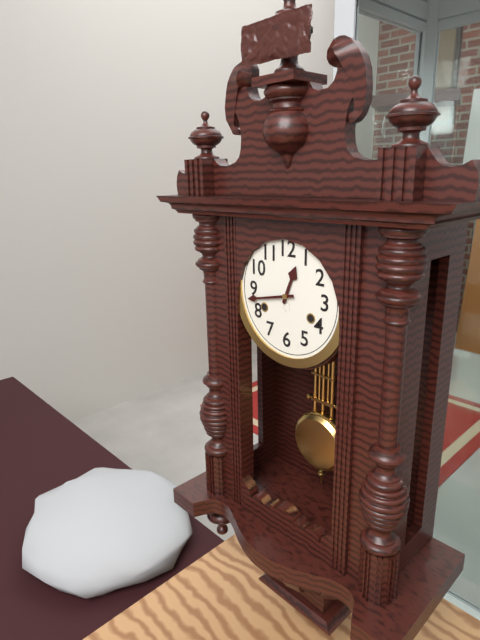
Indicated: 12 h 43 min
